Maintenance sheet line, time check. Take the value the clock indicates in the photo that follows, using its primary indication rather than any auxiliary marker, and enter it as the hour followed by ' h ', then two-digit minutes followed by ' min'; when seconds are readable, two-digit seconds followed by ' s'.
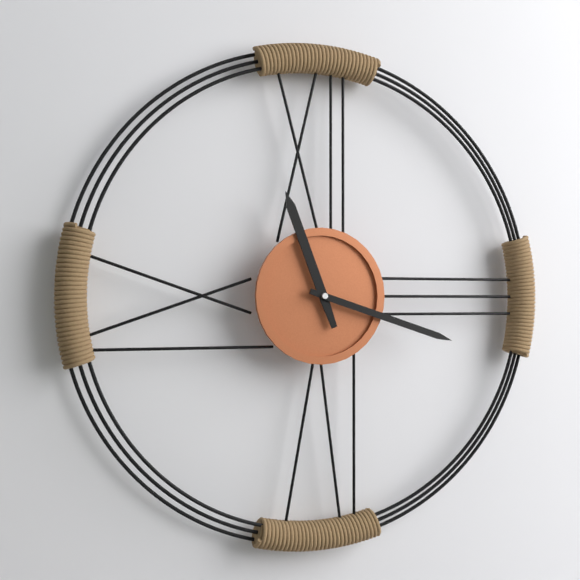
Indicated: 11 h 18 min
